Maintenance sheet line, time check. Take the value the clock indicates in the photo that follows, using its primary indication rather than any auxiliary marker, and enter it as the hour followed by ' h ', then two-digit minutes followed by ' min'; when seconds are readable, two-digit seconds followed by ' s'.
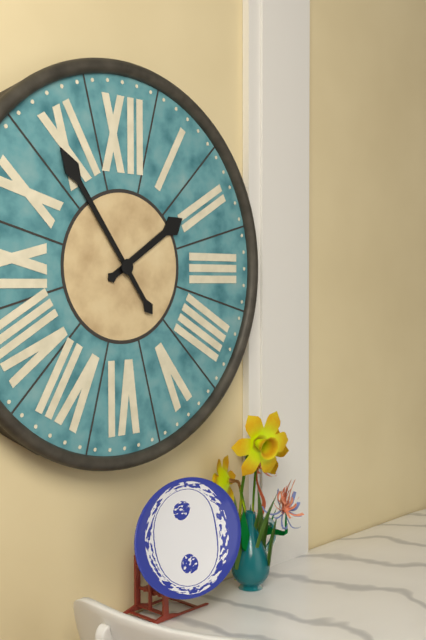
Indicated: 1 h 54 min
